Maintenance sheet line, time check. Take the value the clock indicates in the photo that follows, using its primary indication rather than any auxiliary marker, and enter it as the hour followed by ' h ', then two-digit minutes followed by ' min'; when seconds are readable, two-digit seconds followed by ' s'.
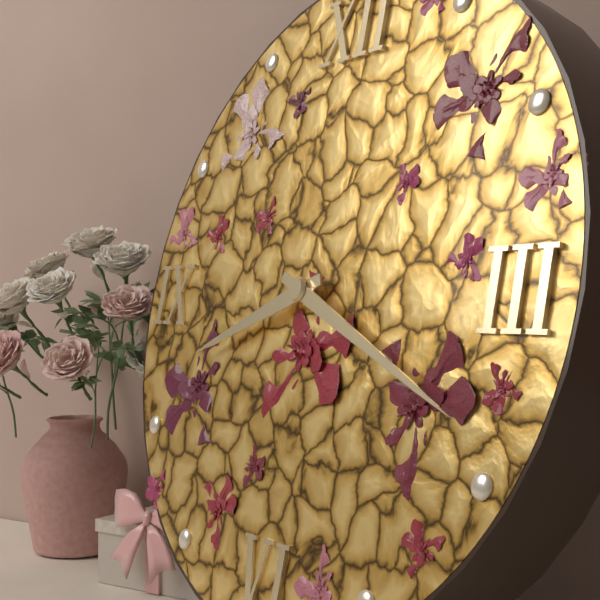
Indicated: 8 h 19 min
